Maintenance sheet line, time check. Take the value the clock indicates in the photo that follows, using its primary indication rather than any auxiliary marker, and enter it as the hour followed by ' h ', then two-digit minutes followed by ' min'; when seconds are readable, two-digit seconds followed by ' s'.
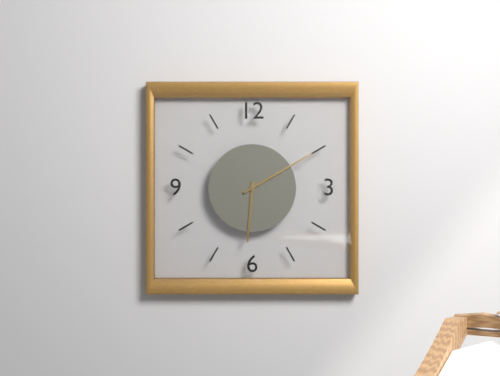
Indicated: 6 h 10 min
